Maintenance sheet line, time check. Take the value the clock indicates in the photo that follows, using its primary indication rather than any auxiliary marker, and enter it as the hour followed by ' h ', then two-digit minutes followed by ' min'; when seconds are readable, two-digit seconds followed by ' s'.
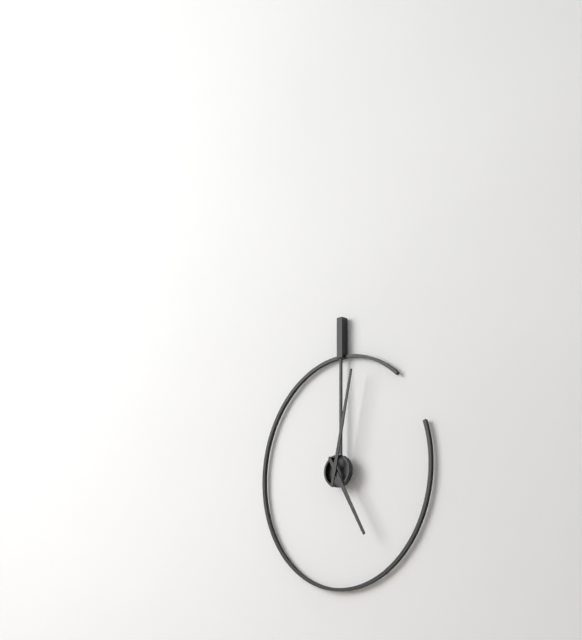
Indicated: 5 h 02 min
